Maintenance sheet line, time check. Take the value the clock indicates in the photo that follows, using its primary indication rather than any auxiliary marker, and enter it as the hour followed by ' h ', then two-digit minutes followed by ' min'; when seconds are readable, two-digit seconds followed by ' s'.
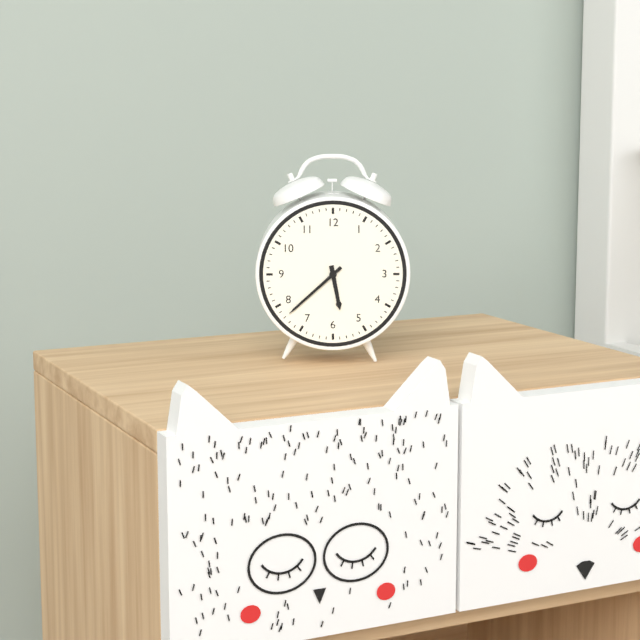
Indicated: 5 h 38 min
